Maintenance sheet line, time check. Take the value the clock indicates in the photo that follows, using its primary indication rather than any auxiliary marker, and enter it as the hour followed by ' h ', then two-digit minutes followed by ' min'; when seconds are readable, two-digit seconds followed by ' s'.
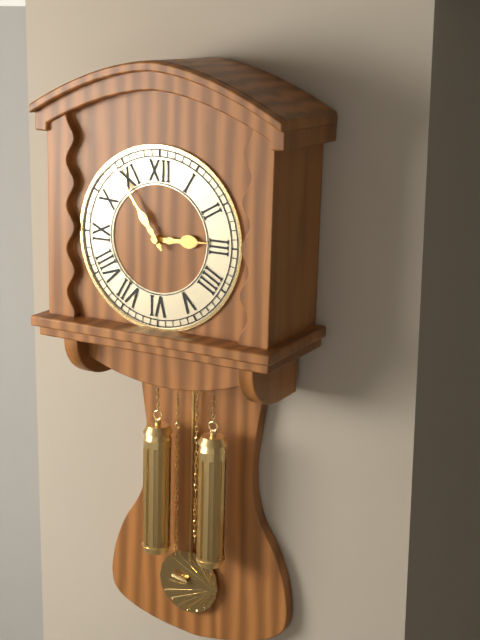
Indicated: 2 h 54 min
